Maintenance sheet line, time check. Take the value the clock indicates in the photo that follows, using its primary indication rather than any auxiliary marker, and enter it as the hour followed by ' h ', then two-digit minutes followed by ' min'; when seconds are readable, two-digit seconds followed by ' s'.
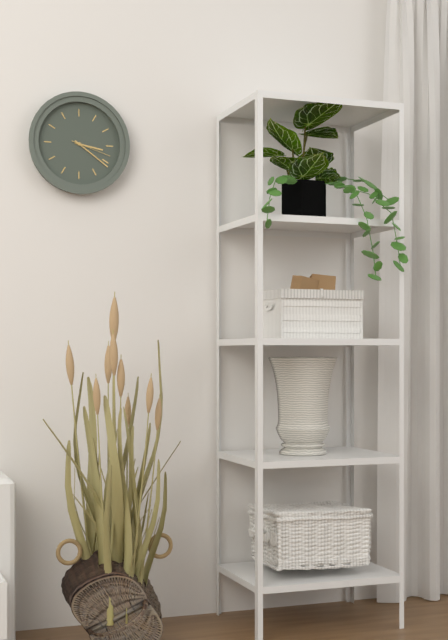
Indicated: 3 h 21 min
